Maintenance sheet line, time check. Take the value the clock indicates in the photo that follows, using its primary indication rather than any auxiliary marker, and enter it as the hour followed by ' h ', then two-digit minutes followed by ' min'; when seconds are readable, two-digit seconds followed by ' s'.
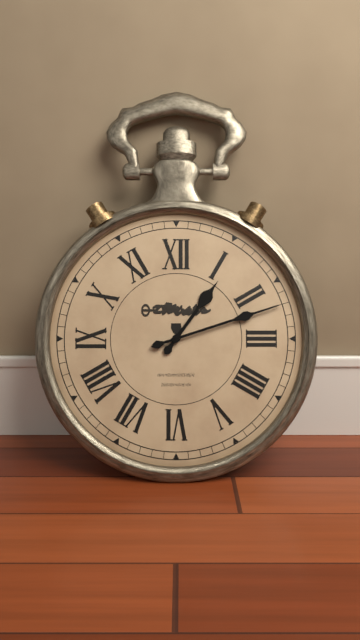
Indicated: 1 h 12 min
